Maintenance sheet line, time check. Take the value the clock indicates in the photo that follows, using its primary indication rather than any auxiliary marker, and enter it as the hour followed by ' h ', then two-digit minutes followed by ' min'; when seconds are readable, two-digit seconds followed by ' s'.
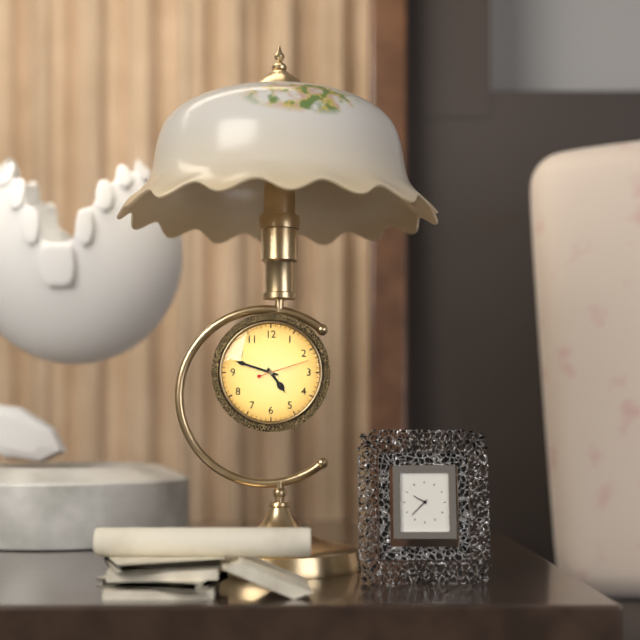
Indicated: 4 h 48 min
